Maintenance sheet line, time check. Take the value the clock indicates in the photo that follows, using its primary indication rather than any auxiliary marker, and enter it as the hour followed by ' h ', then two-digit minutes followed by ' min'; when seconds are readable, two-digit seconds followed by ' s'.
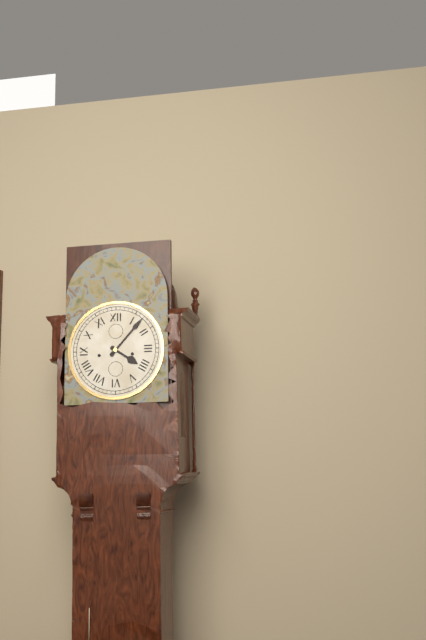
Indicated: 4 h 07 min
